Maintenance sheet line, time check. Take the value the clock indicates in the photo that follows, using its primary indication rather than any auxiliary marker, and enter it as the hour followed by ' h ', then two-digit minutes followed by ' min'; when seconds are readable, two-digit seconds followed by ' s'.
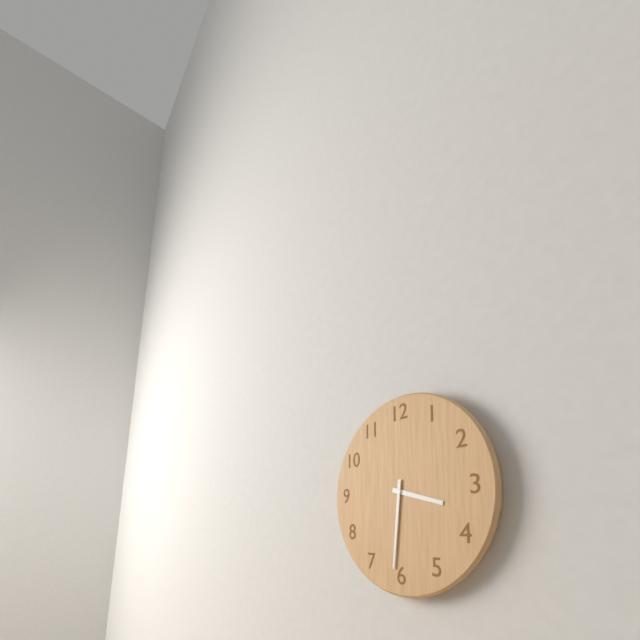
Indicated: 3 h 31 min
